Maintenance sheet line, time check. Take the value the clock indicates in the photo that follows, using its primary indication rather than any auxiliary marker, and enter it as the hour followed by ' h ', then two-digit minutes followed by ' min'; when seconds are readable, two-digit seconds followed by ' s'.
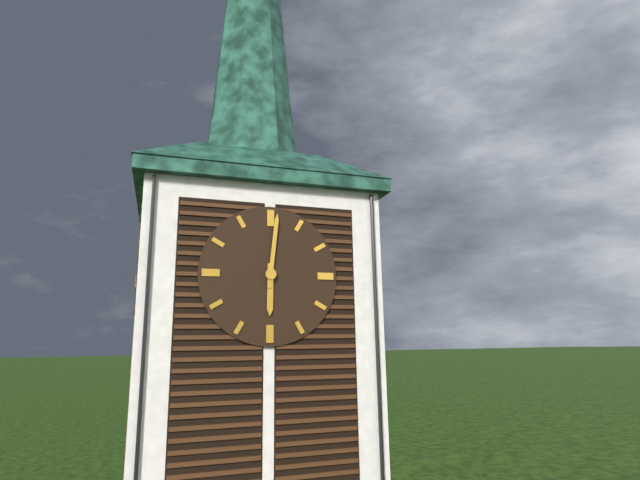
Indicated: 6 h 01 min
